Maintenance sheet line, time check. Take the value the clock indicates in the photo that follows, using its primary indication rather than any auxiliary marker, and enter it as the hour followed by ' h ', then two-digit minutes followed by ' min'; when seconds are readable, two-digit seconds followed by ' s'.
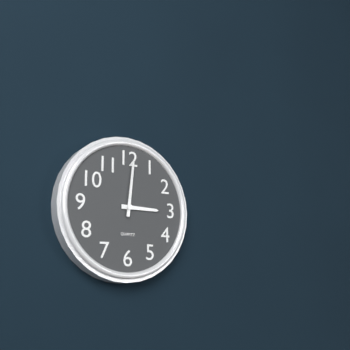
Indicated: 3 h 01 min
